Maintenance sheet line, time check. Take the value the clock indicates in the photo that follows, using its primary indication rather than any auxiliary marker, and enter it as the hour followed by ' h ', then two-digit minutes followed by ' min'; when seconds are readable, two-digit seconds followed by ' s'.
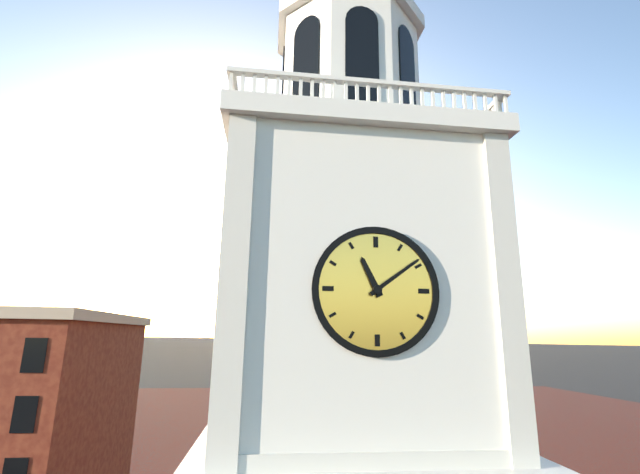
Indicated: 11 h 09 min
